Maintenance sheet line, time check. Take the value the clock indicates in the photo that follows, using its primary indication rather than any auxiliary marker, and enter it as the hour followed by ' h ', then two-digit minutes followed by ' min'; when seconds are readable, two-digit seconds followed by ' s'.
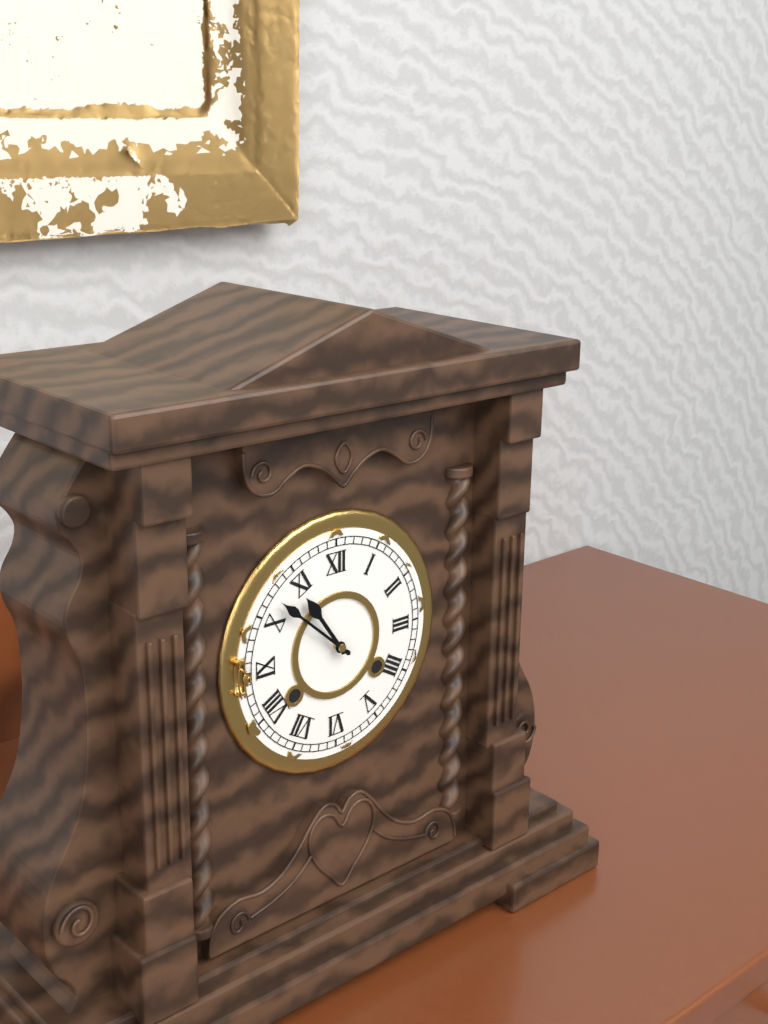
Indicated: 10 h 52 min
